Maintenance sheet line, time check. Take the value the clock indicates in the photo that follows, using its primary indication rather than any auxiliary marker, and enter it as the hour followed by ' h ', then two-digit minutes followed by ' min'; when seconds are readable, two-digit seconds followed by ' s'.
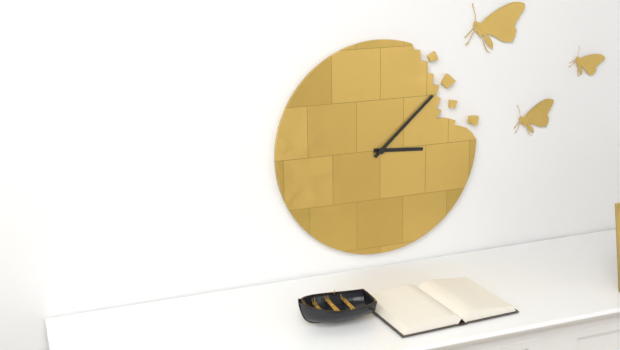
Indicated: 3 h 08 min
